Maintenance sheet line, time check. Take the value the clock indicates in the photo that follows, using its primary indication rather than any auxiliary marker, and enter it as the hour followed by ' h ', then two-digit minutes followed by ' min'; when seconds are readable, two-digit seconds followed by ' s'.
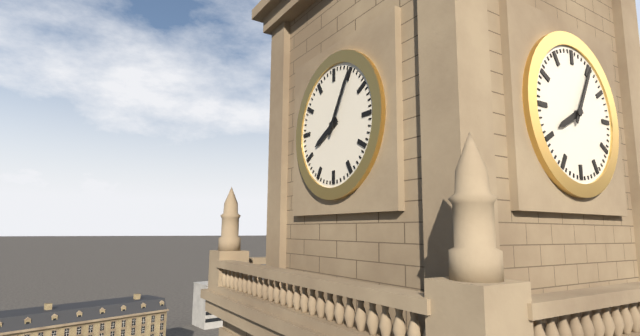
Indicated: 8 h 05 min
